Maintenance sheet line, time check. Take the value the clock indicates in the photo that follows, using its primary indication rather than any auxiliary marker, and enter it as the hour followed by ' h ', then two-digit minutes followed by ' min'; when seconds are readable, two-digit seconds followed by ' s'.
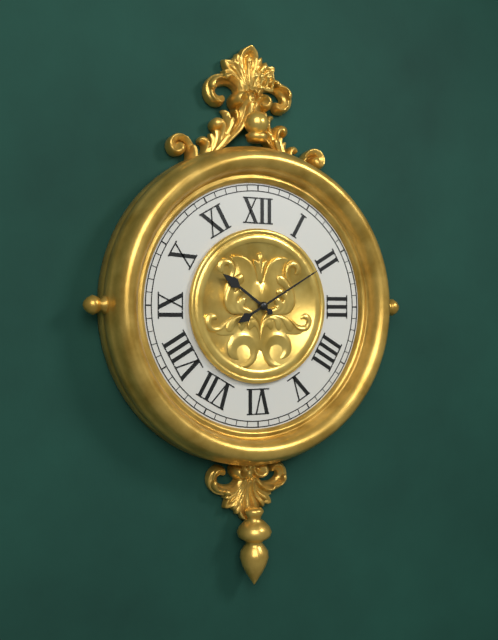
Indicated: 10 h 10 min
